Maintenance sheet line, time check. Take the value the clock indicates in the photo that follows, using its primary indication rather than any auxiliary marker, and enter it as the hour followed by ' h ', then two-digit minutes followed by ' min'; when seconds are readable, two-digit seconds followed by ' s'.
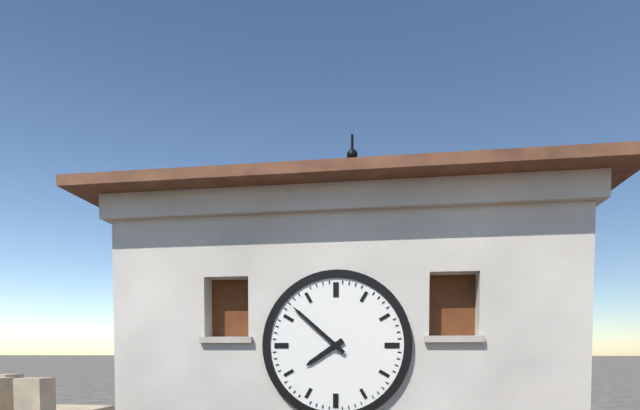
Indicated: 7 h 52 min
